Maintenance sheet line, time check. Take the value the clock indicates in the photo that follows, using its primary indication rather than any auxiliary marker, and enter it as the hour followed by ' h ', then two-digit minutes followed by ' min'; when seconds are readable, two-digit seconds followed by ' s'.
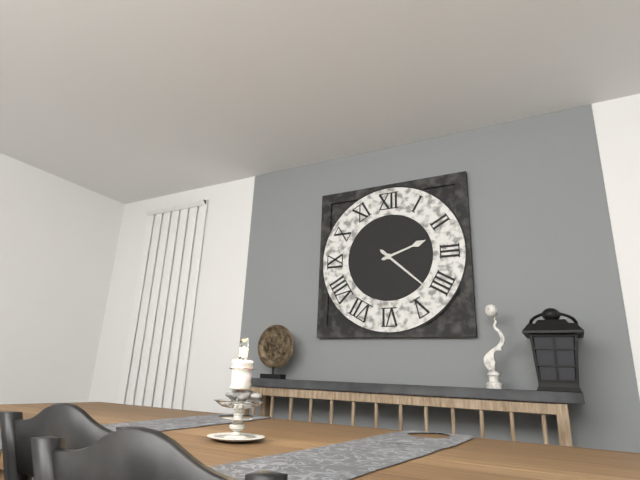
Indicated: 2 h 22 min
